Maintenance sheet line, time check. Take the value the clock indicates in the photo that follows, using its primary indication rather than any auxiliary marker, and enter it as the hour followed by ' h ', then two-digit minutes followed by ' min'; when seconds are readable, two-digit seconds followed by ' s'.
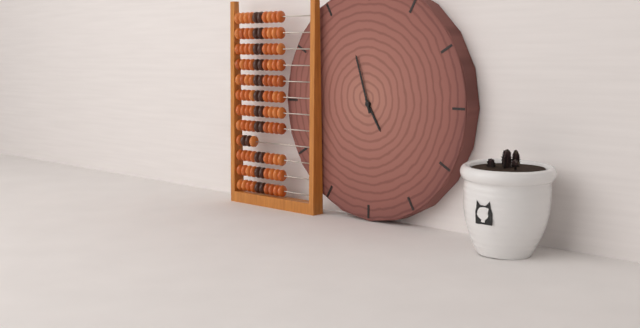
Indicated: 4 h 57 min
